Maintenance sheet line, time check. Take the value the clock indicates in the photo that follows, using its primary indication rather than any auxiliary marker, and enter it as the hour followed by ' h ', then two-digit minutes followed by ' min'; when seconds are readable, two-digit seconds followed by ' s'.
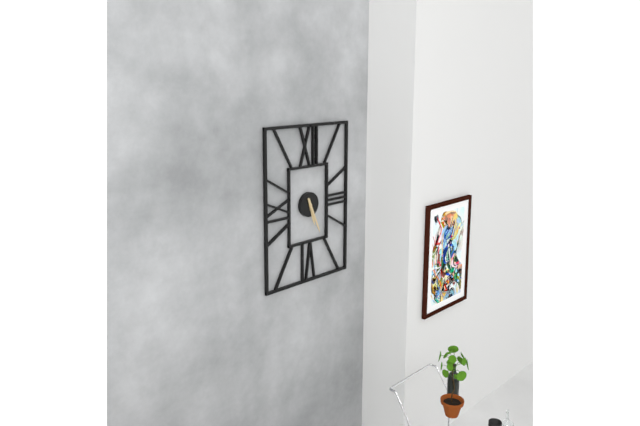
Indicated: 5 h 26 min
